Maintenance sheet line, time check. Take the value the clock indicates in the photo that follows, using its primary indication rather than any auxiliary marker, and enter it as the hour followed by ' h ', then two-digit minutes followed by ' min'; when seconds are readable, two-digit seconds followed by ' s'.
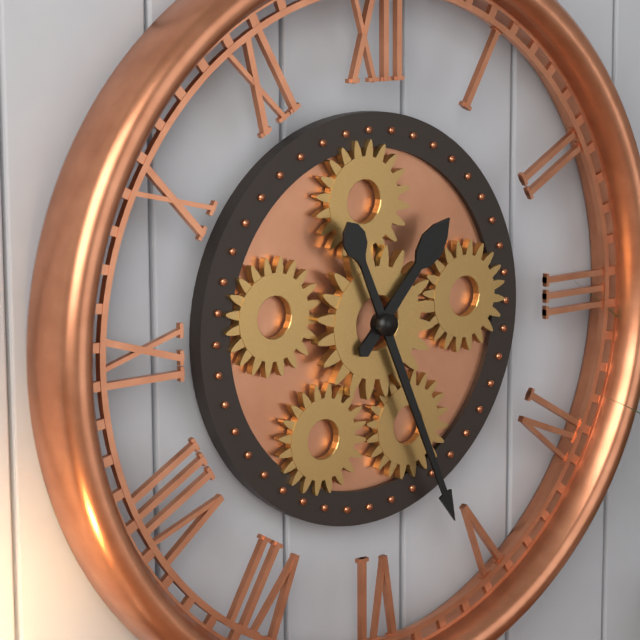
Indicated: 1 h 26 min
